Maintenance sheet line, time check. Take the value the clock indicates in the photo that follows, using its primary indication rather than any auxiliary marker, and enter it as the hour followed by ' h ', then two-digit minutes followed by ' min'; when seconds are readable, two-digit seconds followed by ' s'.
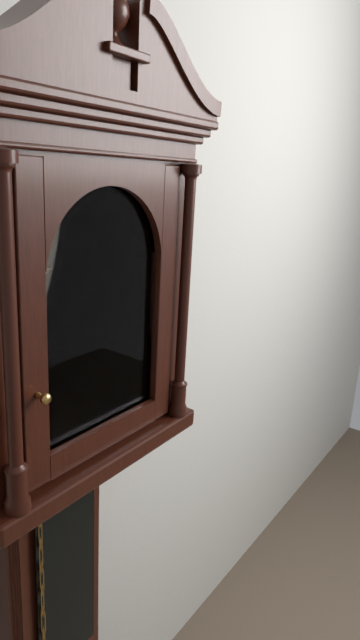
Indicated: 11 h 58 min
